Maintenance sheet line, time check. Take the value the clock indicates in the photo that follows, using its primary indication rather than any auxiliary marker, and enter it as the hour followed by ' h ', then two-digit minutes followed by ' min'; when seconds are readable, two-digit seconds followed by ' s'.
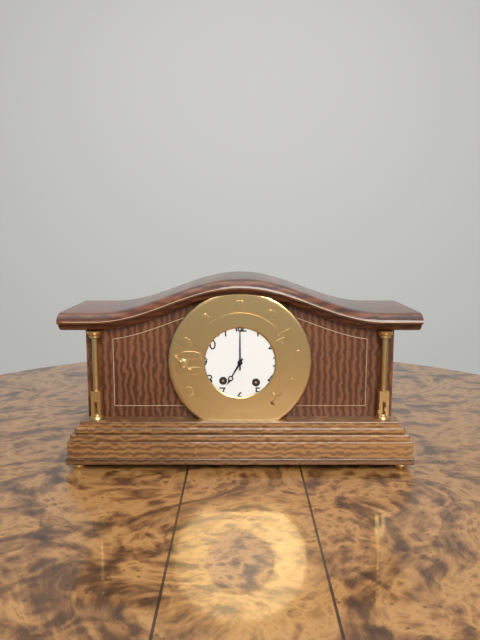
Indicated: 7 h 00 min
